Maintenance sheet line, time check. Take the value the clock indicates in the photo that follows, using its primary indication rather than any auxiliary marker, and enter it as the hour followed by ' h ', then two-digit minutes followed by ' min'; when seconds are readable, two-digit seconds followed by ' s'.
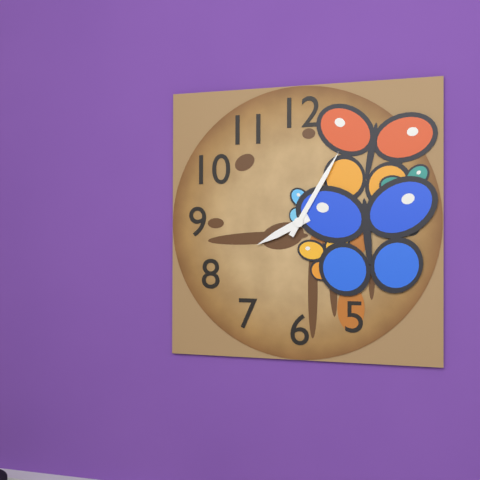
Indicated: 8 h 05 min
